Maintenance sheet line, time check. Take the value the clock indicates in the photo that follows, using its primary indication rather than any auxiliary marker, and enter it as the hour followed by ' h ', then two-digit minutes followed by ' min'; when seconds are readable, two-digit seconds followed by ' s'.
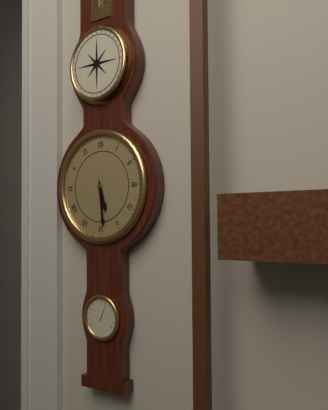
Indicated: 5 h 29 min
